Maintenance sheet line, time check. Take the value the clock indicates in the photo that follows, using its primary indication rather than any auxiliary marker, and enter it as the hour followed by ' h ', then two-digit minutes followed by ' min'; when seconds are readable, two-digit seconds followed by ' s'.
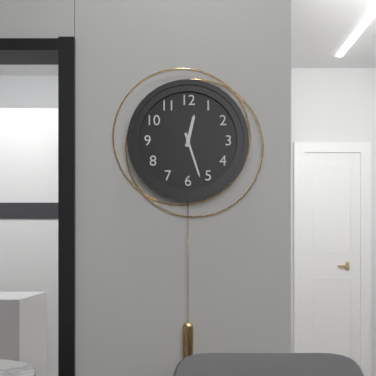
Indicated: 12 h 27 min
